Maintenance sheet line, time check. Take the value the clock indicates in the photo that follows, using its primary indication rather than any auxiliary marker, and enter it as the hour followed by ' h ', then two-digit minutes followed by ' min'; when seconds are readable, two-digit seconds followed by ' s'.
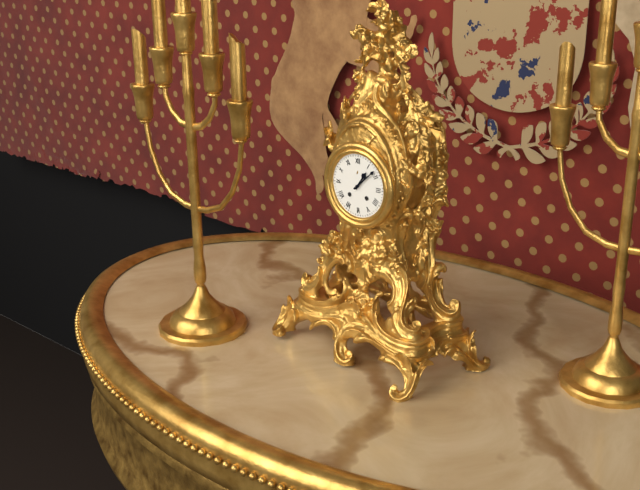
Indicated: 1 h 08 min
